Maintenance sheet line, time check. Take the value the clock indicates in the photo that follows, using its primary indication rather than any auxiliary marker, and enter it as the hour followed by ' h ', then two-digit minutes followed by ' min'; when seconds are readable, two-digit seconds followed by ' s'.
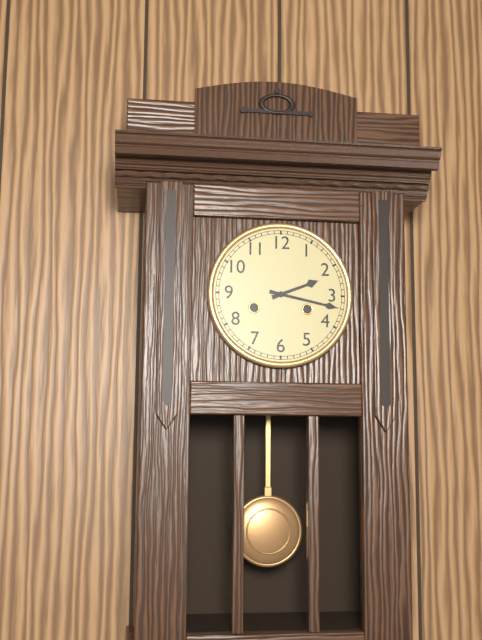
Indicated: 2 h 17 min
